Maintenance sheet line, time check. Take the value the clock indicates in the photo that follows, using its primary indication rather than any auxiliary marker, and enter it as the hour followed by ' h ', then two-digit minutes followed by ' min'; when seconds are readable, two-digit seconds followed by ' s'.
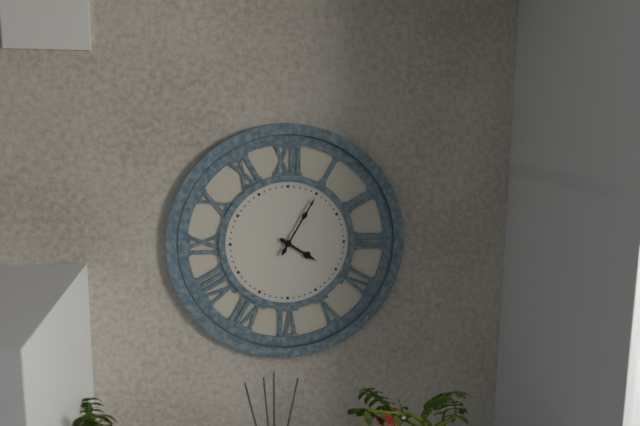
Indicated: 4 h 05 min
